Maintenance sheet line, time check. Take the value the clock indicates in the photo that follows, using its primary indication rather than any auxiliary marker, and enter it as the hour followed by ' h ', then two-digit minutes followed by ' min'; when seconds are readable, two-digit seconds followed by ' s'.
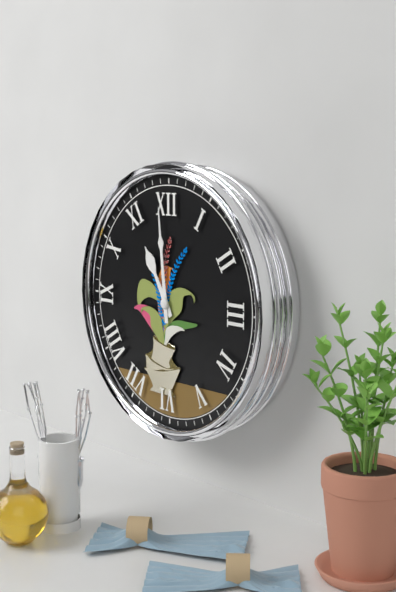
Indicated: 10 h 59 min
